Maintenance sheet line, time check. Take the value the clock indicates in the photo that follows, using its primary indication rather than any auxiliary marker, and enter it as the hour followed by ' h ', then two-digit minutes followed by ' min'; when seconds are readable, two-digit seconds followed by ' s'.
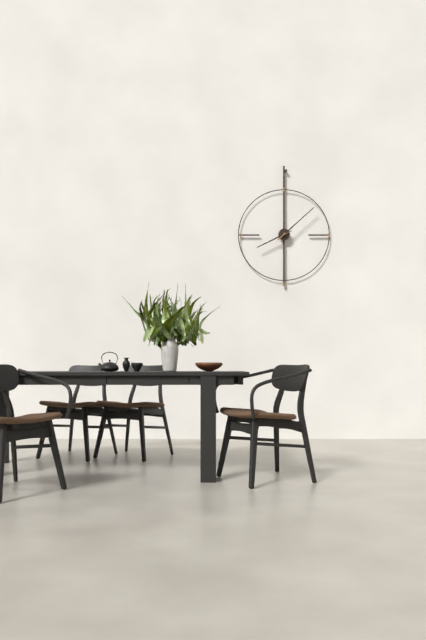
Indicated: 8 h 08 min
